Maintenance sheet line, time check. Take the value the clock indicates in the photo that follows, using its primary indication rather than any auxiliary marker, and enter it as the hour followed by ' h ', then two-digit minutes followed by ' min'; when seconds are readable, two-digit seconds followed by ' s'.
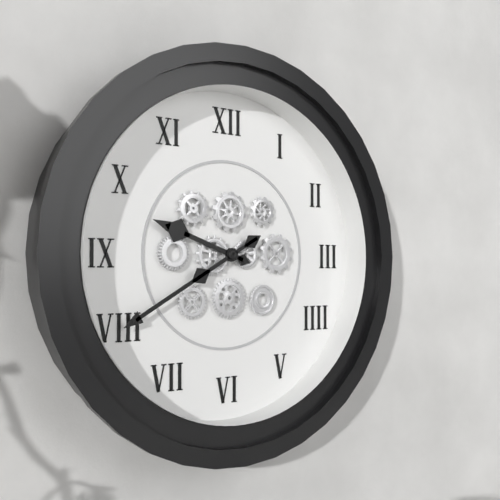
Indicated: 9 h 40 min
